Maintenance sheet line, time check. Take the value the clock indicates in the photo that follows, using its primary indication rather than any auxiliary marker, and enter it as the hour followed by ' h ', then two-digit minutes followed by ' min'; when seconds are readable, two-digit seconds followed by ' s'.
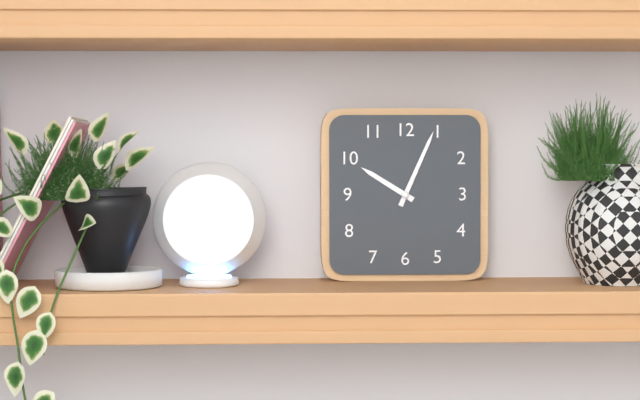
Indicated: 10 h 04 min
